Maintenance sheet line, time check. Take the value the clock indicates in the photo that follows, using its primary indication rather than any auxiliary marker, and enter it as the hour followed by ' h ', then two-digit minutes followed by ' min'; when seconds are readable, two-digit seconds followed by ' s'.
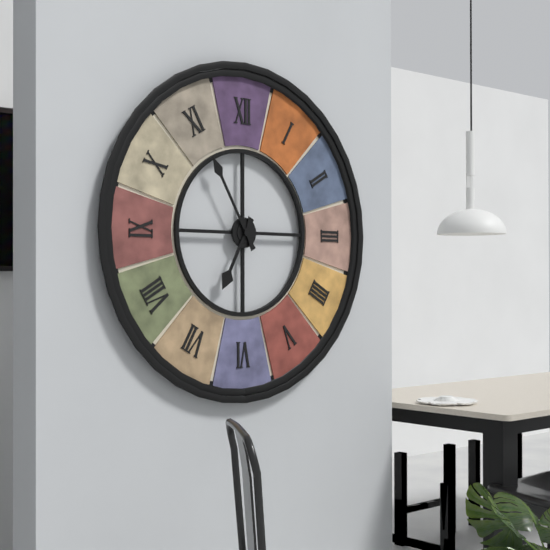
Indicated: 6 h 55 min
